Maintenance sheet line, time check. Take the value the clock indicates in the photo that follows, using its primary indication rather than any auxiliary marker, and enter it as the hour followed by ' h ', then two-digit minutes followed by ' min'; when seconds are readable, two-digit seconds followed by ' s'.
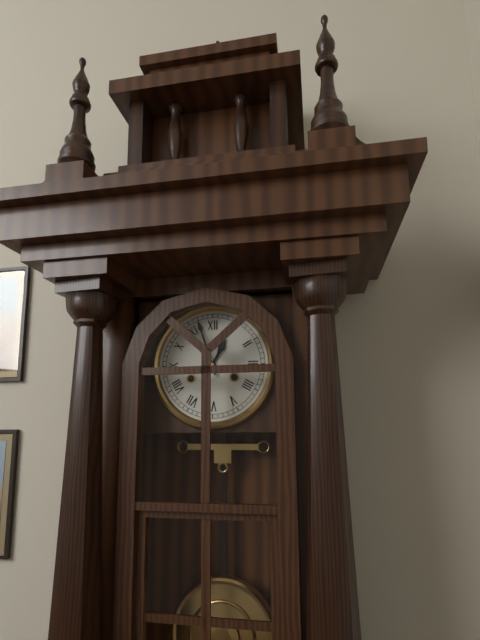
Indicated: 12 h 57 min
